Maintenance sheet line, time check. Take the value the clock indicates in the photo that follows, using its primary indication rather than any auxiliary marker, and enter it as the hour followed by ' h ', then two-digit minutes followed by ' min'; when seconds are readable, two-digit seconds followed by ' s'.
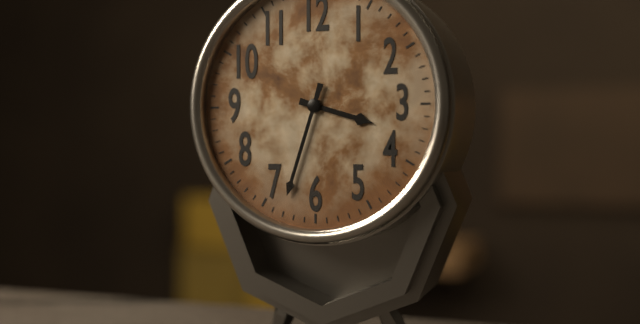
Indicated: 3 h 33 min
